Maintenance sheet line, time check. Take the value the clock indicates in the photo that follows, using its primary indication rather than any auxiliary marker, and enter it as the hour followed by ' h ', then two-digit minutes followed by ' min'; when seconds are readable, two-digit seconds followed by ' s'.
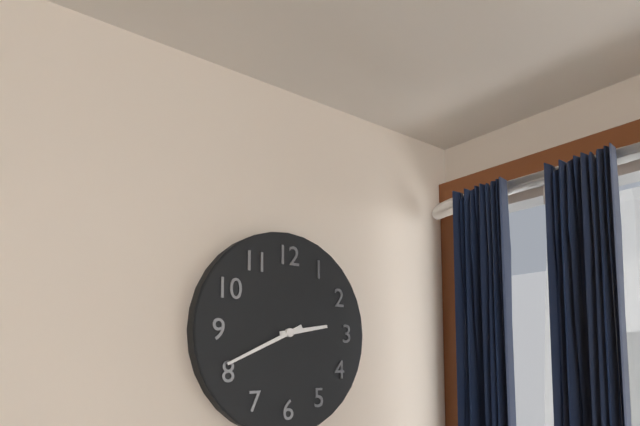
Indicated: 2 h 41 min
